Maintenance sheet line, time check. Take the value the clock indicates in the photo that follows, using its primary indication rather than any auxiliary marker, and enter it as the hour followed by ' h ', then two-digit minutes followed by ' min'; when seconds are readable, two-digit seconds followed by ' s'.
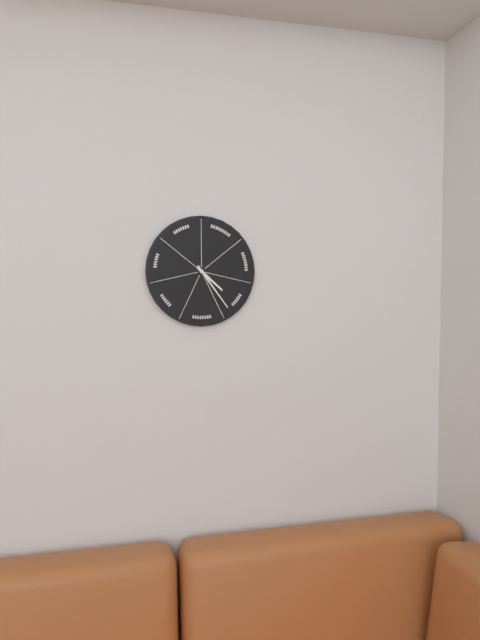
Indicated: 4 h 24 min
